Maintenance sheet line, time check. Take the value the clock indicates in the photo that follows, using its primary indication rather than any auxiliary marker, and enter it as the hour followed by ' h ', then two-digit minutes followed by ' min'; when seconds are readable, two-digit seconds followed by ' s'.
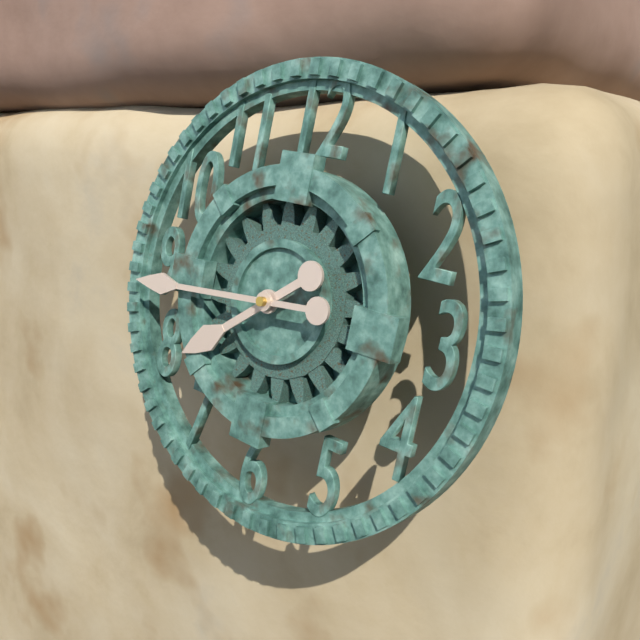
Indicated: 7 h 44 min
